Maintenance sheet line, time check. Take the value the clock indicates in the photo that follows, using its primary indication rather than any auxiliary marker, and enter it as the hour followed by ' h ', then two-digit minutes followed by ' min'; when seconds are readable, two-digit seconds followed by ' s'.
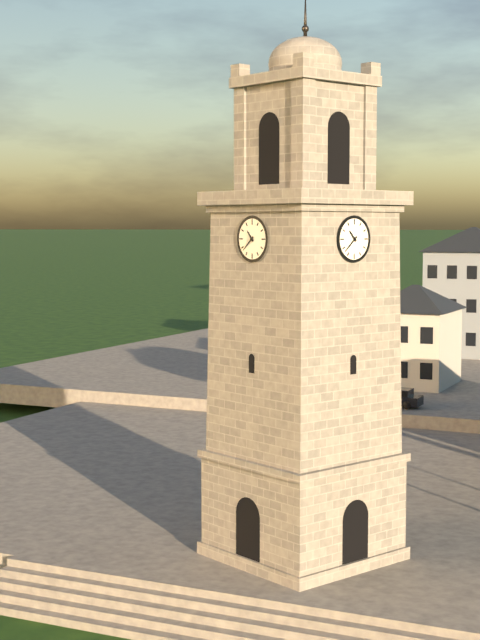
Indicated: 10 h 38 min
